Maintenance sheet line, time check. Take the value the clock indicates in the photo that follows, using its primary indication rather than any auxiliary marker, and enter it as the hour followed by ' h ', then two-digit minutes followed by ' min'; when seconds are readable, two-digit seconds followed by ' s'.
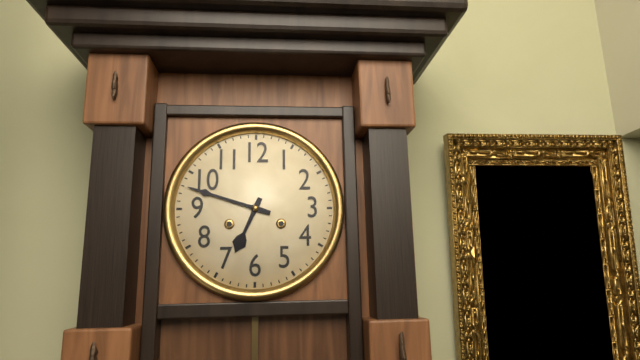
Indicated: 6 h 48 min
